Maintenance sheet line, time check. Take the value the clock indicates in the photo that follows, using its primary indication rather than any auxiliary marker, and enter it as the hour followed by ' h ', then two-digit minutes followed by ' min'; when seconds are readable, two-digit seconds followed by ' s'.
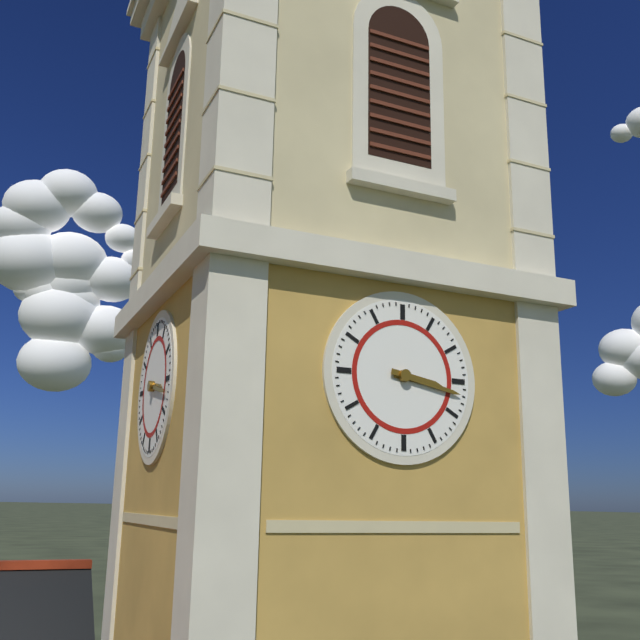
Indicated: 3 h 17 min
